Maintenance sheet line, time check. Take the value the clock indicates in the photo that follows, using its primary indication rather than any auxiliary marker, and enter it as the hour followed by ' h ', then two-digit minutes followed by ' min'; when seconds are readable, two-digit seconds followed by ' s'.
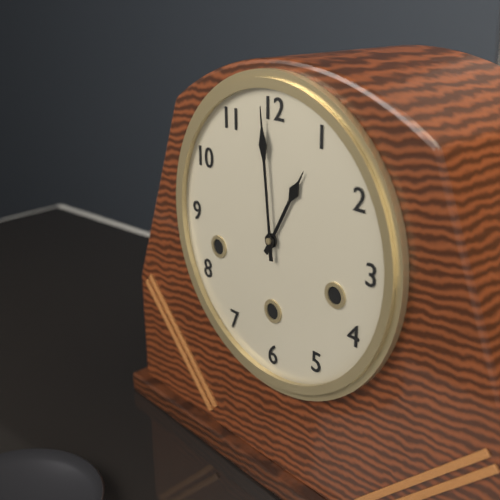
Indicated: 12 h 59 min
